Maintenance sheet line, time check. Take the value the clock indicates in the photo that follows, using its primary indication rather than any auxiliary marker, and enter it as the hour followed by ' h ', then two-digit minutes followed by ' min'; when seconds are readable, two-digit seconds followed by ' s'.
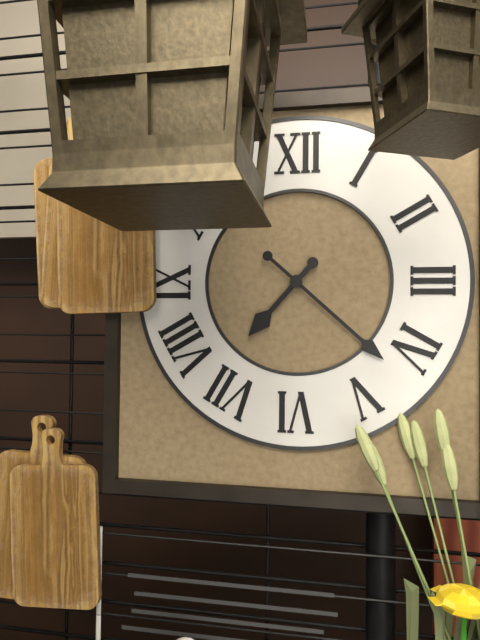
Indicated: 7 h 22 min
